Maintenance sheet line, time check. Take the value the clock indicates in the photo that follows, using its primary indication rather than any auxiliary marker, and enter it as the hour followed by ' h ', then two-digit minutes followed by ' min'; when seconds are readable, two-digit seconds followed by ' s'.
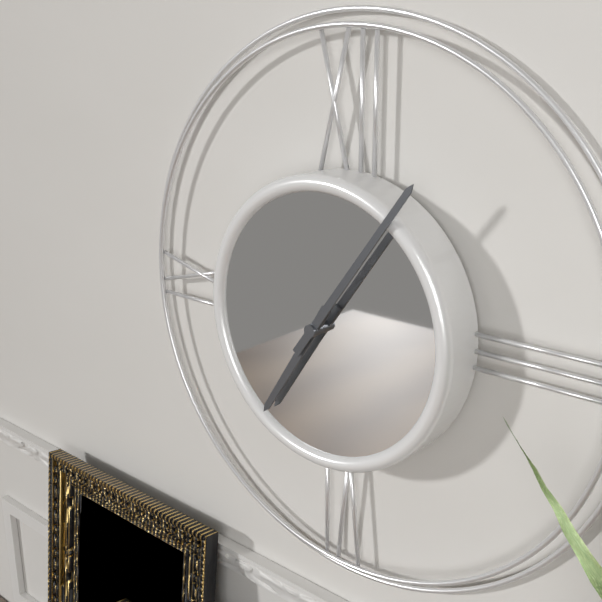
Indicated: 7 h 06 min
